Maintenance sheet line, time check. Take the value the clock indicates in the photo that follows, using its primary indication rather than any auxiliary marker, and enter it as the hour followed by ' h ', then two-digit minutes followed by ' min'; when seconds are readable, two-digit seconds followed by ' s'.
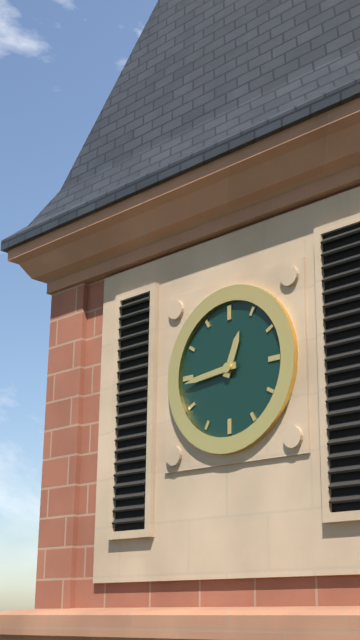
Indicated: 12 h 44 min
